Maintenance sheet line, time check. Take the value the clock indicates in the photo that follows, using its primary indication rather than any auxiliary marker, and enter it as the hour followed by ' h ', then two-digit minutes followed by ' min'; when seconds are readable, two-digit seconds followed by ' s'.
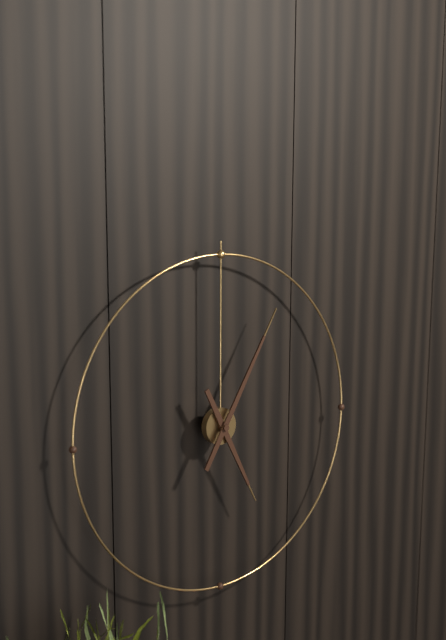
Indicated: 5 h 05 min
